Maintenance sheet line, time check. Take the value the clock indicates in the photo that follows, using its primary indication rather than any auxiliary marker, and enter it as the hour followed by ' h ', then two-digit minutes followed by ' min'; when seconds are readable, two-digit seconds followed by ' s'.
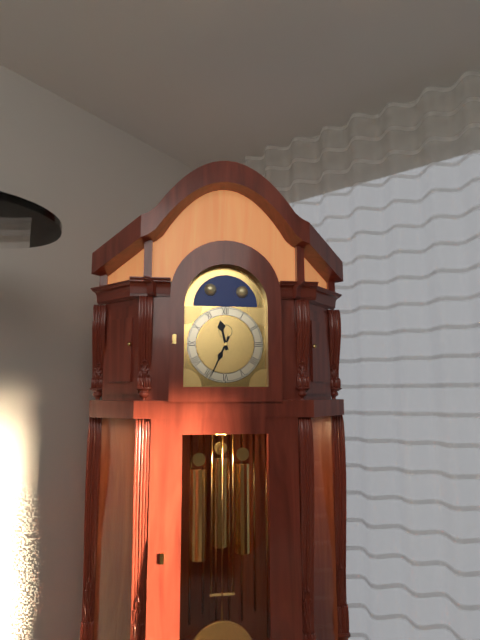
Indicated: 11 h 34 min
